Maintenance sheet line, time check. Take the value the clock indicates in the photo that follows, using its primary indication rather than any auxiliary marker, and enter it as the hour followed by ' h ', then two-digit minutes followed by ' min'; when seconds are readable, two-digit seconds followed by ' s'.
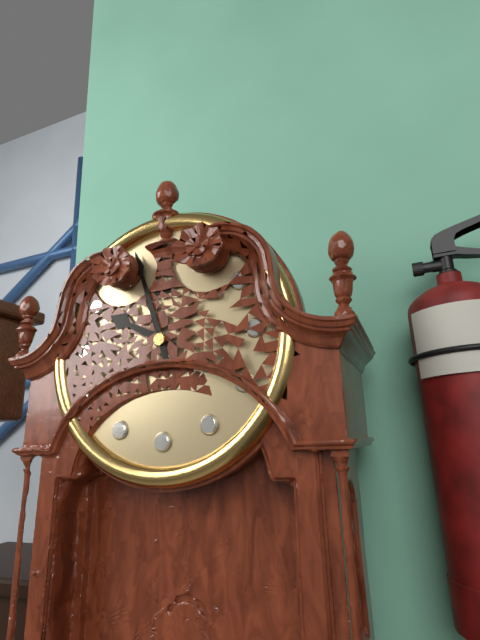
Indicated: 9 h 57 min
